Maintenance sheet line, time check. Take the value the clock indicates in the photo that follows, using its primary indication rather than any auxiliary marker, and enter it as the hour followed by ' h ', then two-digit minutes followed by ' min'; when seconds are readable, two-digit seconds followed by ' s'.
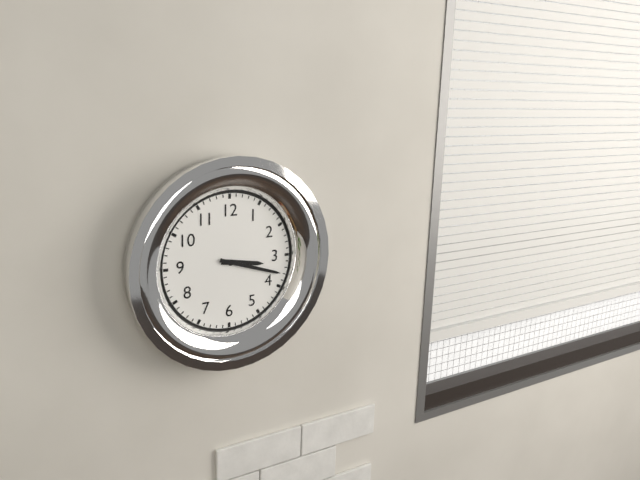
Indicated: 3 h 18 min
